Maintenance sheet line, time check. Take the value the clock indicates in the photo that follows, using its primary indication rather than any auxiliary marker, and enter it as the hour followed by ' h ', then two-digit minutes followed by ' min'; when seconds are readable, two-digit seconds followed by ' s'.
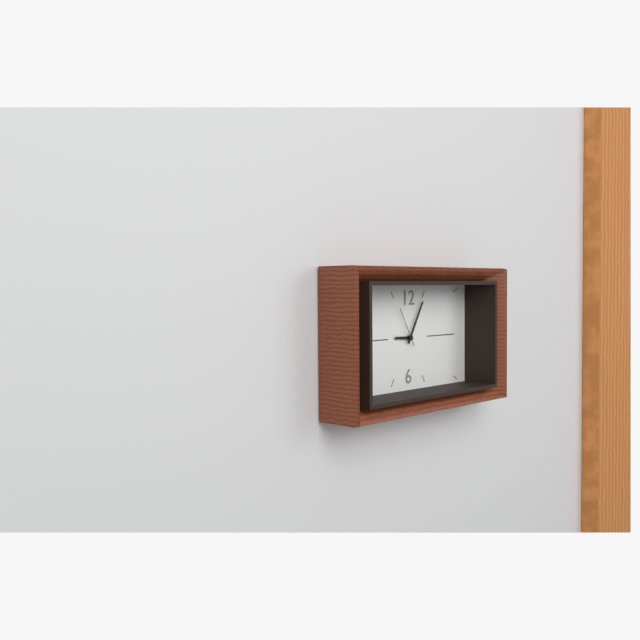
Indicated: 9 h 05 min
